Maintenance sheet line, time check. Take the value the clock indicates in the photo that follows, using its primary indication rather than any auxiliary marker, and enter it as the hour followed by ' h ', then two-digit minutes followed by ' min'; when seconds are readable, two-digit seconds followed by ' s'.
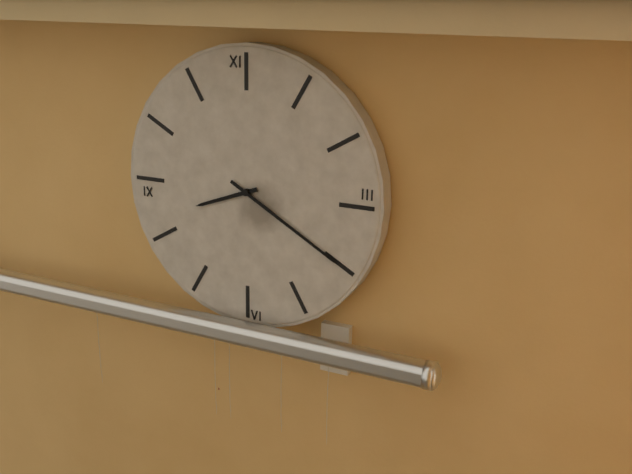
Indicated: 8 h 20 min
